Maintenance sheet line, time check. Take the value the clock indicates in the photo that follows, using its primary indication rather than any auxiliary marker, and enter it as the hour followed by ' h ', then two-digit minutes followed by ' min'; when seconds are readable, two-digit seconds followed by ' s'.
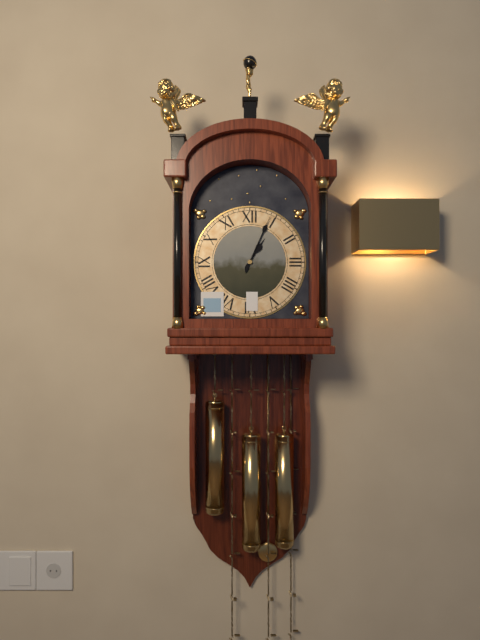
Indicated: 1 h 04 min
